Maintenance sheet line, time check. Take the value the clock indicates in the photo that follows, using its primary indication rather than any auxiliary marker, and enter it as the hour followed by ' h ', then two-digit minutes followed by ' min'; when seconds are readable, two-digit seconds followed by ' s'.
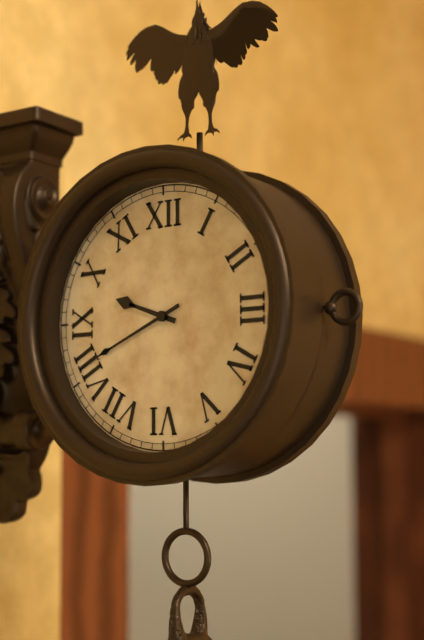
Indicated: 9 h 41 min
